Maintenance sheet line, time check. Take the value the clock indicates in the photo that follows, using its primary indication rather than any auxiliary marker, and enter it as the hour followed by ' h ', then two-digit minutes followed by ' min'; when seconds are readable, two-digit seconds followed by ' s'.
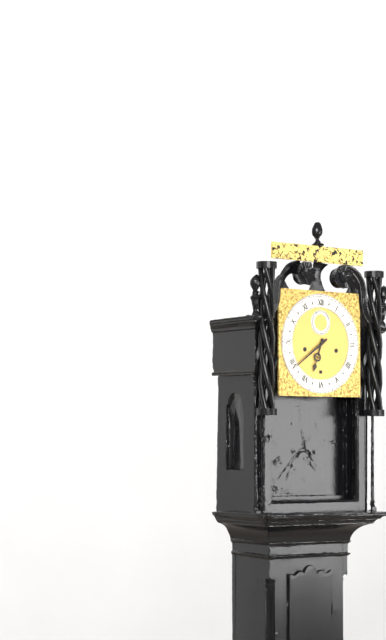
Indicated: 6 h 39 min
